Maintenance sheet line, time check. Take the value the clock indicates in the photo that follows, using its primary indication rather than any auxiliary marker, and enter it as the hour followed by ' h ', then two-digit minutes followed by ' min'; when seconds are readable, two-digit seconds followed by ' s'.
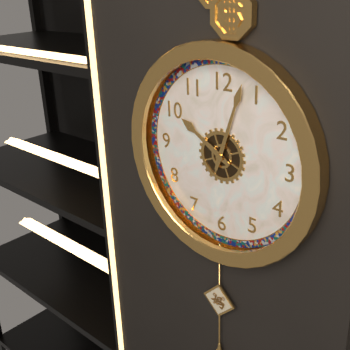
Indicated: 10 h 03 min
